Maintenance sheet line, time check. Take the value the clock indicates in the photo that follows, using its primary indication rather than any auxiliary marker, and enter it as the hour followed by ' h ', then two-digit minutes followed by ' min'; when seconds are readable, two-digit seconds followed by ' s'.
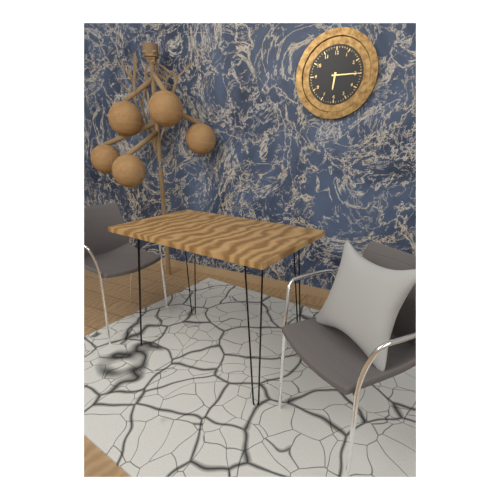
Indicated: 6 h 15 min
